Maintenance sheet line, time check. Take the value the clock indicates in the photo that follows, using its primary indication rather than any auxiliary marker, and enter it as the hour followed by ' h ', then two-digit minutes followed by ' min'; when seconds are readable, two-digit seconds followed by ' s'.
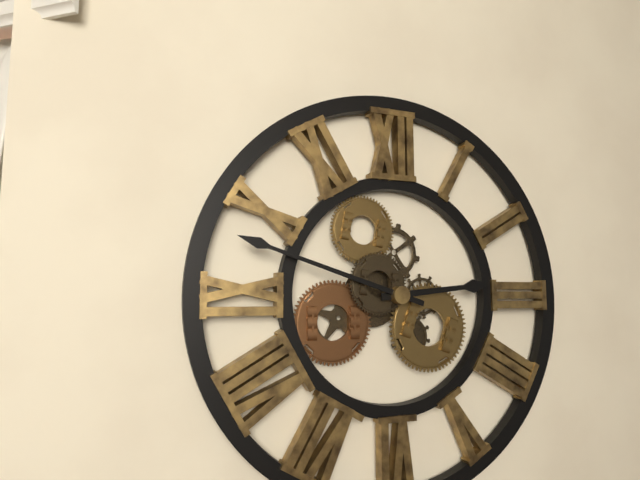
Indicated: 2 h 48 min
